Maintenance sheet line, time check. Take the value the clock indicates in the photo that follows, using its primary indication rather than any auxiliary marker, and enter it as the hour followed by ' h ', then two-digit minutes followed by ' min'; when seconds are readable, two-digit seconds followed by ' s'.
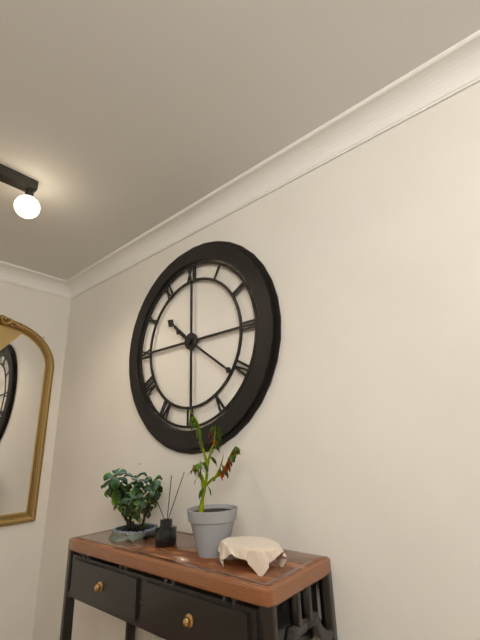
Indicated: 10 h 21 min
